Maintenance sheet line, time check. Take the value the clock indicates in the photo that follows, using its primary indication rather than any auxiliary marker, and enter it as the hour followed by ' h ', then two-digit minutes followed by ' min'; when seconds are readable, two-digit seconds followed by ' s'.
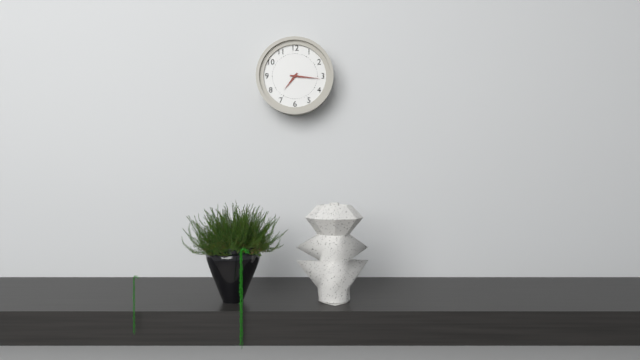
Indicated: 7 h 16 min
